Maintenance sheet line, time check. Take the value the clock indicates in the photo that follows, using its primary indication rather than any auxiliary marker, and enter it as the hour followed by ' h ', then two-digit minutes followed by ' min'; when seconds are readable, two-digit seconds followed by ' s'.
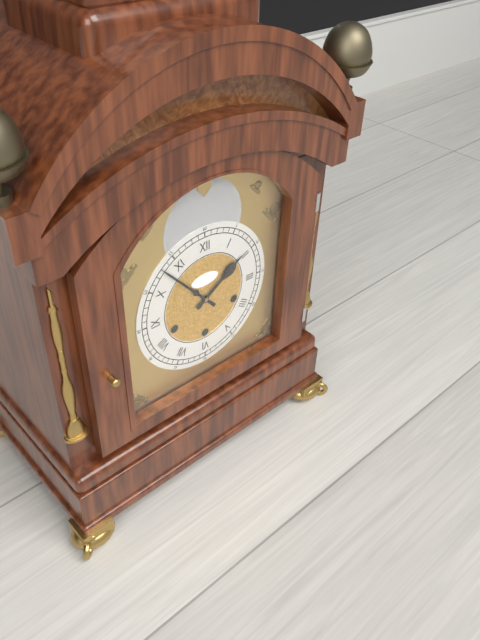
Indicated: 1 h 53 min
